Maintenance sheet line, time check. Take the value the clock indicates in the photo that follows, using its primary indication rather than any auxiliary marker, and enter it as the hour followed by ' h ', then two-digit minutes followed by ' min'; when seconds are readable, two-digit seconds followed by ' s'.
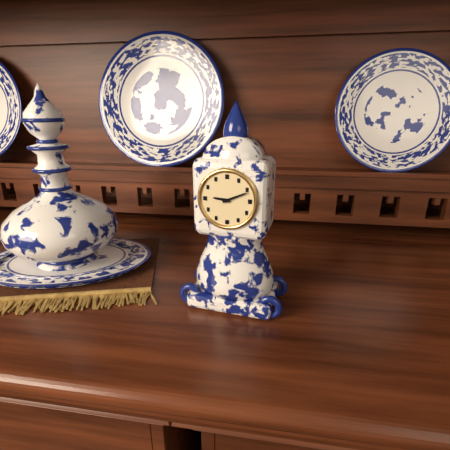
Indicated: 9 h 11 min
